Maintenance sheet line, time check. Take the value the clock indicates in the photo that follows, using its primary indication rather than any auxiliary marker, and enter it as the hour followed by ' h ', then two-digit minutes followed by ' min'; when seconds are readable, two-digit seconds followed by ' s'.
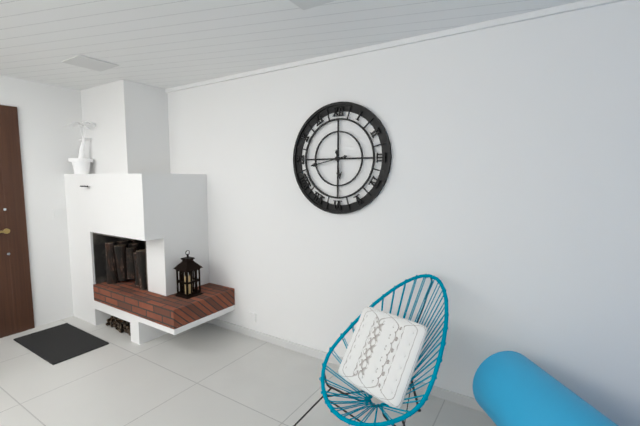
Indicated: 5 h 43 min
